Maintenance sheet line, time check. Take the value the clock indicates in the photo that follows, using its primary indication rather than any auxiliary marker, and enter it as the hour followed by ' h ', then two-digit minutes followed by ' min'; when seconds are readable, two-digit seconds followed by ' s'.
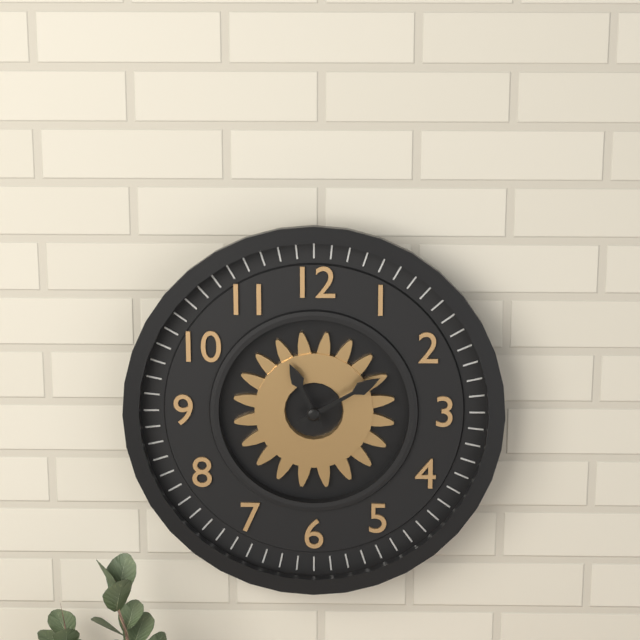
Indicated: 11 h 10 min
